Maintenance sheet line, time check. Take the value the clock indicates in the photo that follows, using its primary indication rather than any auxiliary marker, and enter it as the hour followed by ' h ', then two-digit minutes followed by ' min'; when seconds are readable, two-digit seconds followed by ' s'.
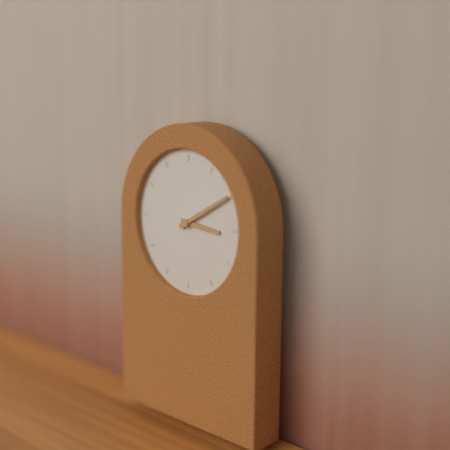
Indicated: 3 h 10 min
